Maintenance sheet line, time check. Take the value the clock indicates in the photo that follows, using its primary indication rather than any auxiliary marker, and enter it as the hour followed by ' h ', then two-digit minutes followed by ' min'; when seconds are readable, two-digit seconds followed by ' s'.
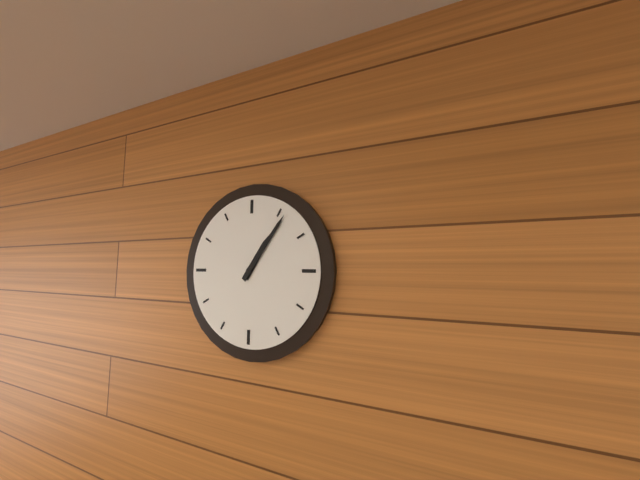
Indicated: 1 h 06 min
